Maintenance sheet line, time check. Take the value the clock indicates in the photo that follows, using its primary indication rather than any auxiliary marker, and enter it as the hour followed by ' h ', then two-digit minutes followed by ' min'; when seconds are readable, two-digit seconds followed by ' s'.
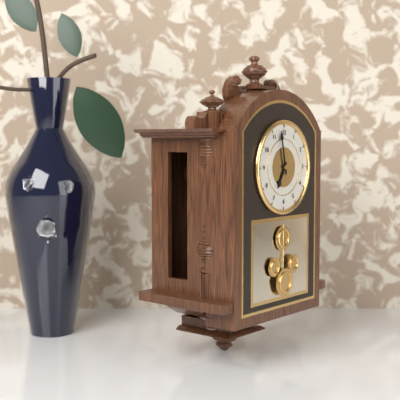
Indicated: 6 h 58 min
